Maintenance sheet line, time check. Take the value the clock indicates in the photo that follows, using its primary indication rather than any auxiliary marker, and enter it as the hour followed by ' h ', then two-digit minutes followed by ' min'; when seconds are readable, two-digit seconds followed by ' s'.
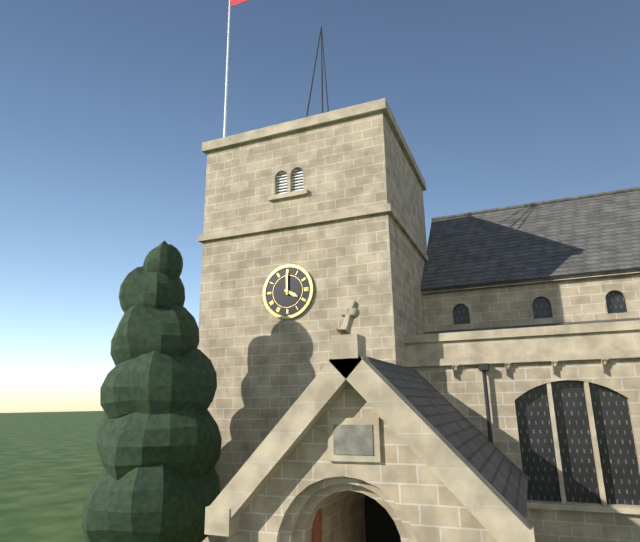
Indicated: 4 h 00 min
